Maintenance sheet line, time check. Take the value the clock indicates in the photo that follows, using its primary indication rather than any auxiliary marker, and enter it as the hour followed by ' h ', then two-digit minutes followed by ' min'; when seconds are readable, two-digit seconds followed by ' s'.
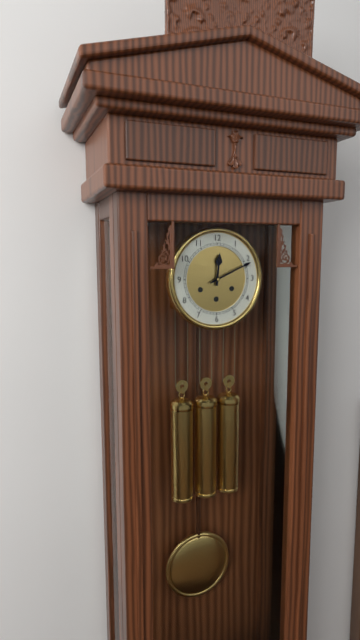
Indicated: 12 h 11 min
